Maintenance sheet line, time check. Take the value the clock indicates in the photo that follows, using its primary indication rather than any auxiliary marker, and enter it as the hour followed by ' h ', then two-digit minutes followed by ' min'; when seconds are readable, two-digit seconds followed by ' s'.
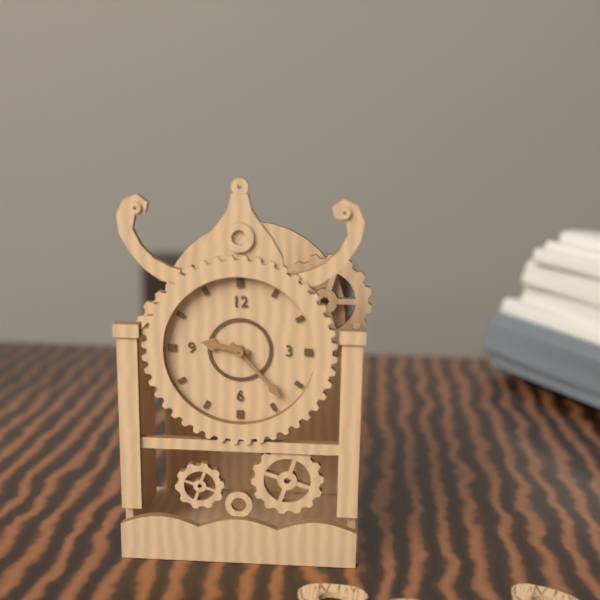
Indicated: 9 h 23 min
